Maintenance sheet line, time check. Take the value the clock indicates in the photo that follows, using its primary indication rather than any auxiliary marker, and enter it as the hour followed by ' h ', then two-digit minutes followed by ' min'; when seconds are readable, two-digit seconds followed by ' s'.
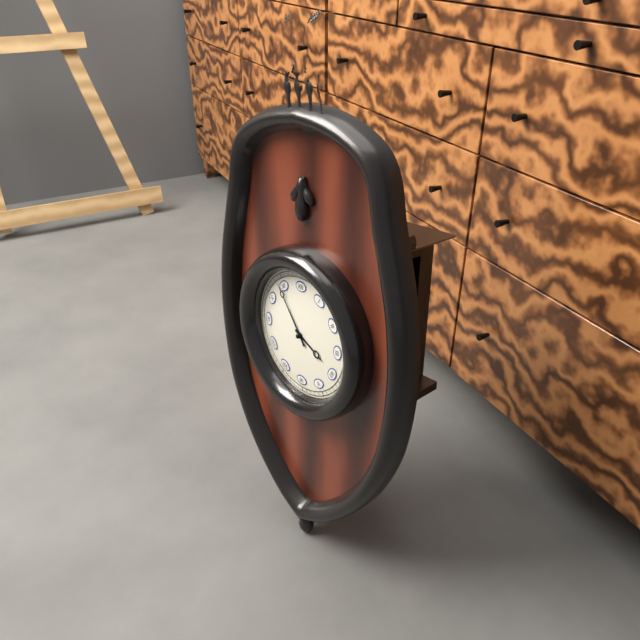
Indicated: 3 h 54 min
